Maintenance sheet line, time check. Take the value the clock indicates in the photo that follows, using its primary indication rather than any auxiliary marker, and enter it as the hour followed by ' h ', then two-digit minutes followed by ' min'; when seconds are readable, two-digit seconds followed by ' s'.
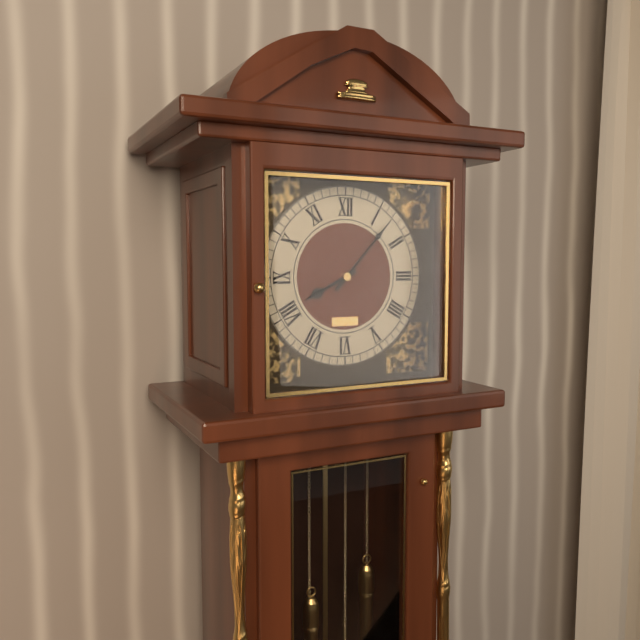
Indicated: 8 h 07 min
